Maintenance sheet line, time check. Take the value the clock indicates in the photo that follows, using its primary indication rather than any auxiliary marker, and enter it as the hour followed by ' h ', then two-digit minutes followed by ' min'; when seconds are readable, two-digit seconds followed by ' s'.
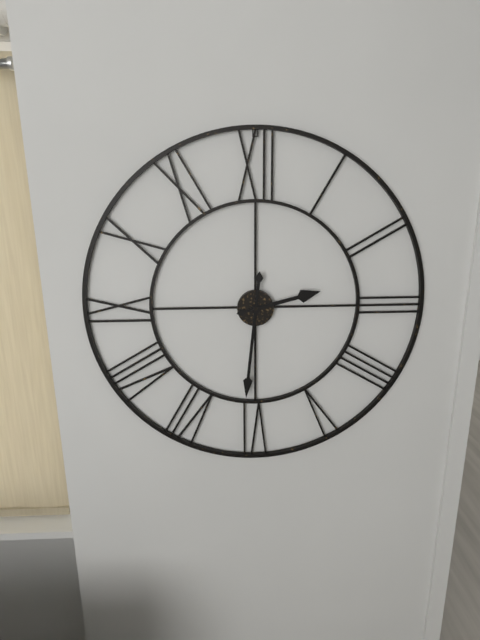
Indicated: 2 h 31 min
